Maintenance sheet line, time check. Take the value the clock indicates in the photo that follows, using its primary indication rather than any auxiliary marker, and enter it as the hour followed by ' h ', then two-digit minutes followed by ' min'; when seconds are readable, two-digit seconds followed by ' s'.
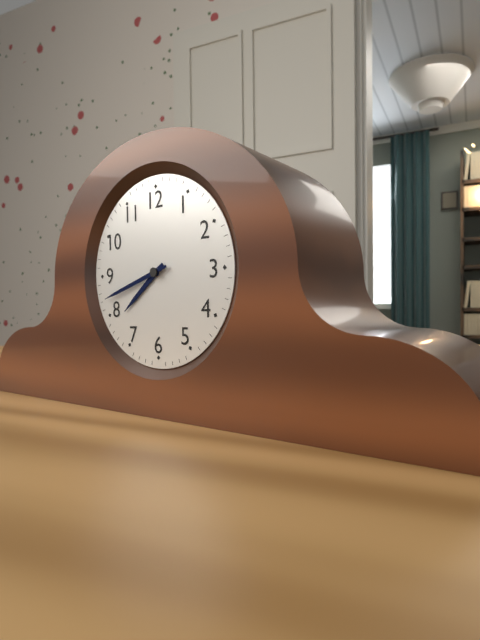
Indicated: 7 h 42 min
